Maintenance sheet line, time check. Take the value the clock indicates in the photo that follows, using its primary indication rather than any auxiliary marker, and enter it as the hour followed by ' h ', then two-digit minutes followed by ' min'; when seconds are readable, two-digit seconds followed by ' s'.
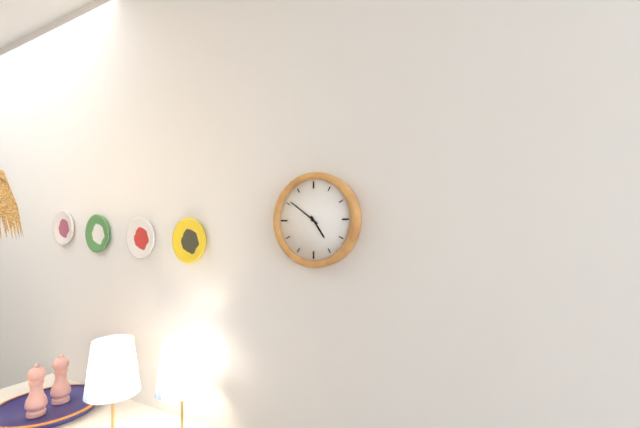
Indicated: 4 h 51 min
